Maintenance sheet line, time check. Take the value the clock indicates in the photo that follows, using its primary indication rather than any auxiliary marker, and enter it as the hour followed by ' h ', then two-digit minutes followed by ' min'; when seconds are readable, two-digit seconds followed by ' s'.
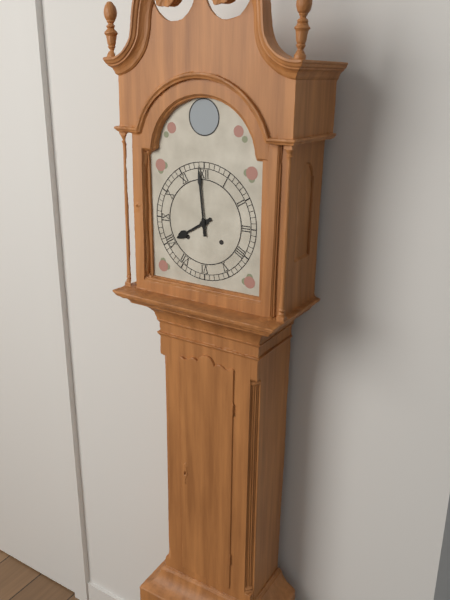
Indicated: 7 h 59 min
